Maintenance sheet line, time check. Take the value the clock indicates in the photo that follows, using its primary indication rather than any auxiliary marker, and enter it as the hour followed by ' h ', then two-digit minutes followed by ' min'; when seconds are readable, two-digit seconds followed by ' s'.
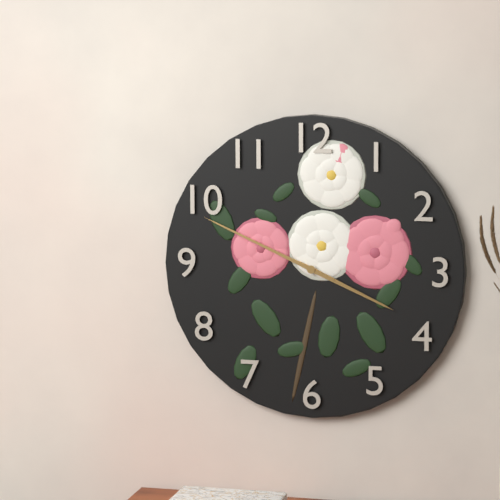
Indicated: 3 h 49 min
